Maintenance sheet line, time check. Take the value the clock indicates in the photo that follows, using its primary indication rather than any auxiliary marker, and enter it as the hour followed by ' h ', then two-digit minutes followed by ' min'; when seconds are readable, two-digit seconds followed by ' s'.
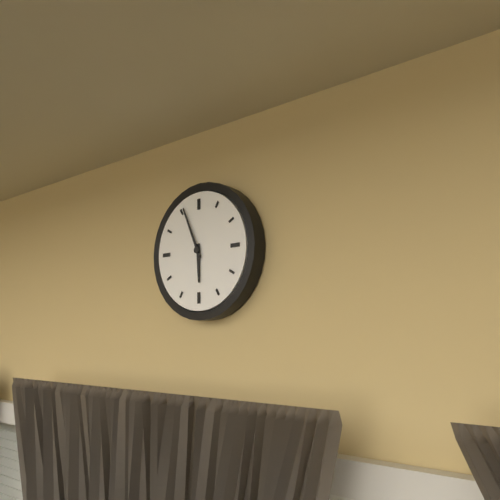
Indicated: 5 h 56 min
